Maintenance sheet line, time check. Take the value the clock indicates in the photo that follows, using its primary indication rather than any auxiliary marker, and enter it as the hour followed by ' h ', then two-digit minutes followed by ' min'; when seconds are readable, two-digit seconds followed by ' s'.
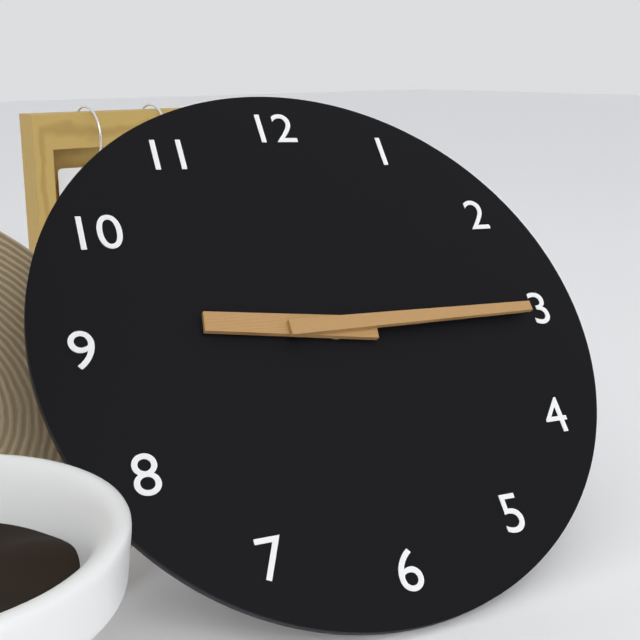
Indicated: 9 h 15 min
